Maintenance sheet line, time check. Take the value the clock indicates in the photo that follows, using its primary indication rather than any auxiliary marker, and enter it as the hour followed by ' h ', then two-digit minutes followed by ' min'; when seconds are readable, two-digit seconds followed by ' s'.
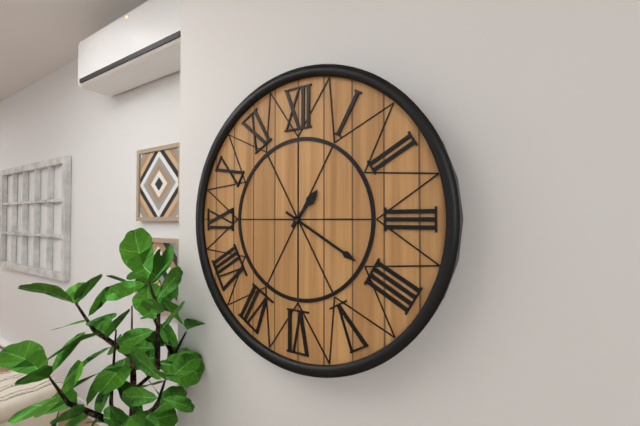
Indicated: 1 h 20 min
